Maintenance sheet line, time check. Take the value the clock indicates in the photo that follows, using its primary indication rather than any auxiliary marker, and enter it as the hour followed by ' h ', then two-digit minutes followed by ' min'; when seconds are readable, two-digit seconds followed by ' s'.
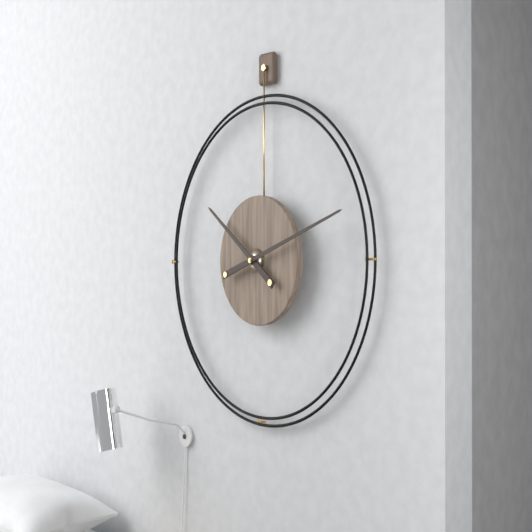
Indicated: 10 h 12 min
